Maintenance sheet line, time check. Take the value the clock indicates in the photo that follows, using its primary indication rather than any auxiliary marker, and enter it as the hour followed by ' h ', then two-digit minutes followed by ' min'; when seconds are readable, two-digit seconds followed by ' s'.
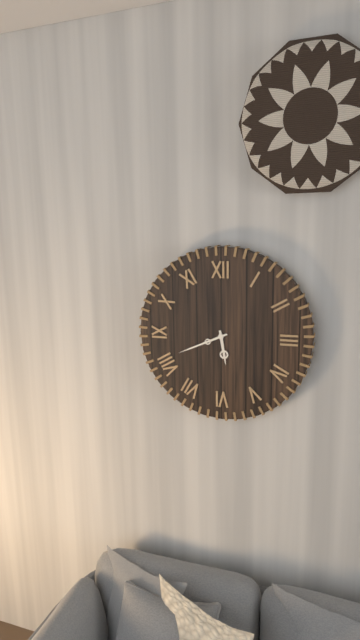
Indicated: 5 h 41 min
